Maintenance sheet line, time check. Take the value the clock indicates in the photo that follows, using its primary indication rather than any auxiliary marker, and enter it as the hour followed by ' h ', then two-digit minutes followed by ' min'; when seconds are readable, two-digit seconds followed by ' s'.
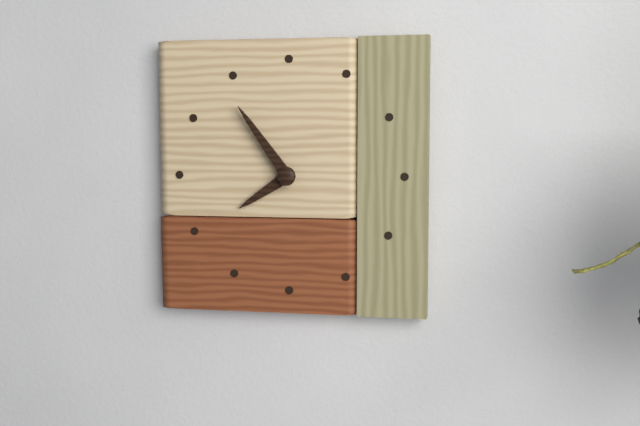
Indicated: 7 h 54 min
